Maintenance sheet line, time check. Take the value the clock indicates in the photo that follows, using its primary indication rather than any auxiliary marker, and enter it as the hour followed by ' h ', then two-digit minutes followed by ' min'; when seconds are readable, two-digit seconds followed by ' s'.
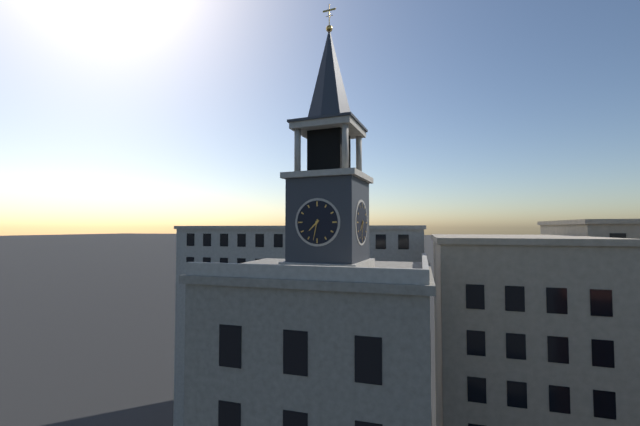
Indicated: 7 h 32 min
